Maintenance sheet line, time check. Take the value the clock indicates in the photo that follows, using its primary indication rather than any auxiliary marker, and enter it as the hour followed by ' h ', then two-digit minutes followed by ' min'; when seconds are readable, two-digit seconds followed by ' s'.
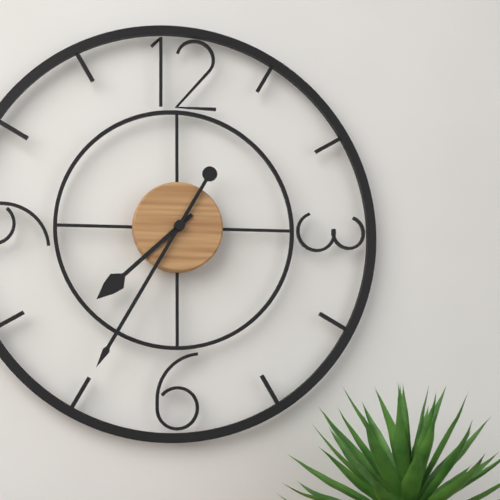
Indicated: 7 h 35 min
